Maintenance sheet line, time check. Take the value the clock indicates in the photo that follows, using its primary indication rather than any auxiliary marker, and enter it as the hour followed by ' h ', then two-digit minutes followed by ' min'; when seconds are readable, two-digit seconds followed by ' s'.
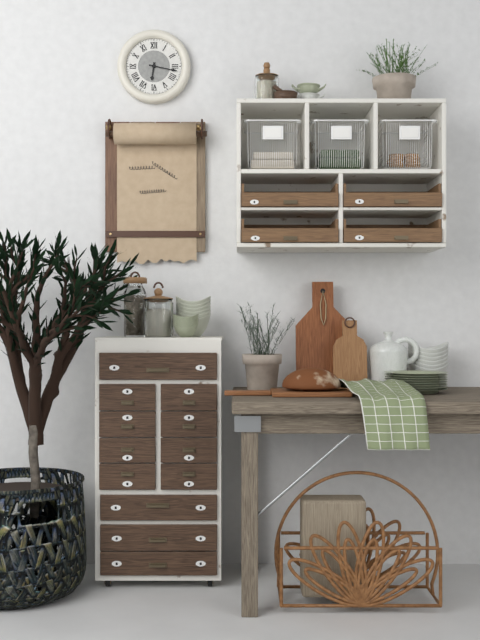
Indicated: 6 h 17 min
